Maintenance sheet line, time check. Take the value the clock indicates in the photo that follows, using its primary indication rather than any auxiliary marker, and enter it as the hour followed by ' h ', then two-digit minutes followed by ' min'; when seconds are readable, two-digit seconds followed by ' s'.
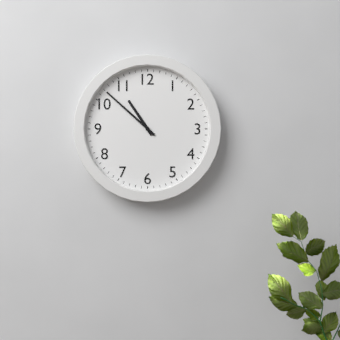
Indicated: 10 h 52 min
